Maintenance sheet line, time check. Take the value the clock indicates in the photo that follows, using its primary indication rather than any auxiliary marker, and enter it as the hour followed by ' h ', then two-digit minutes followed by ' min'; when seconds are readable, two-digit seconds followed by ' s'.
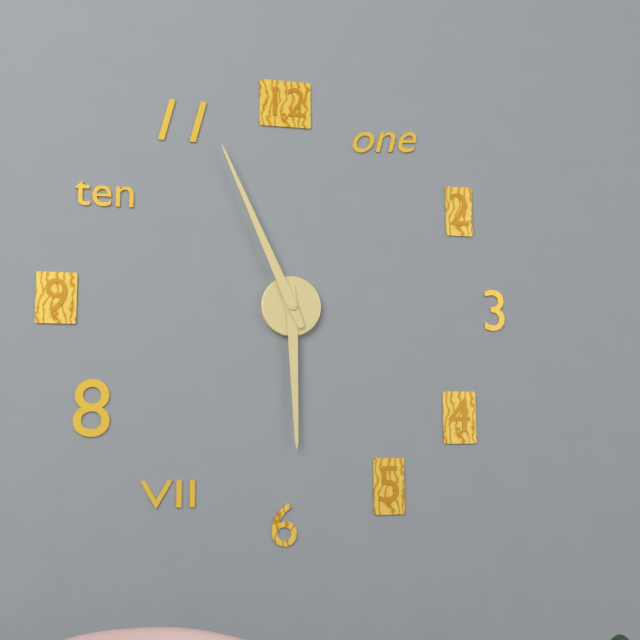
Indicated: 5 h 56 min
